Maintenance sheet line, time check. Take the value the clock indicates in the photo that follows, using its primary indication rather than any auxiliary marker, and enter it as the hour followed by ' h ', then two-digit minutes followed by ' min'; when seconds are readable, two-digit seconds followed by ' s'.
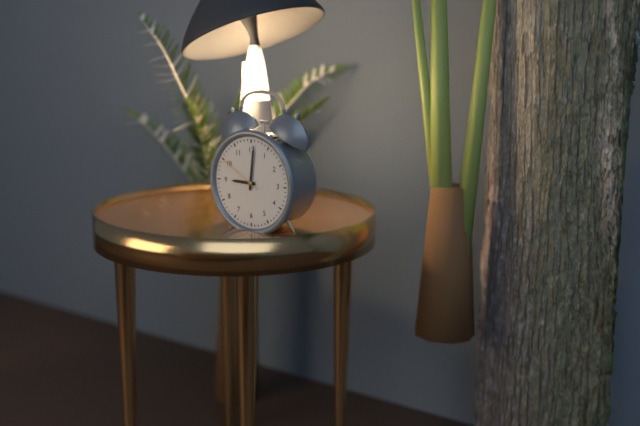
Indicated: 9 h 01 min
